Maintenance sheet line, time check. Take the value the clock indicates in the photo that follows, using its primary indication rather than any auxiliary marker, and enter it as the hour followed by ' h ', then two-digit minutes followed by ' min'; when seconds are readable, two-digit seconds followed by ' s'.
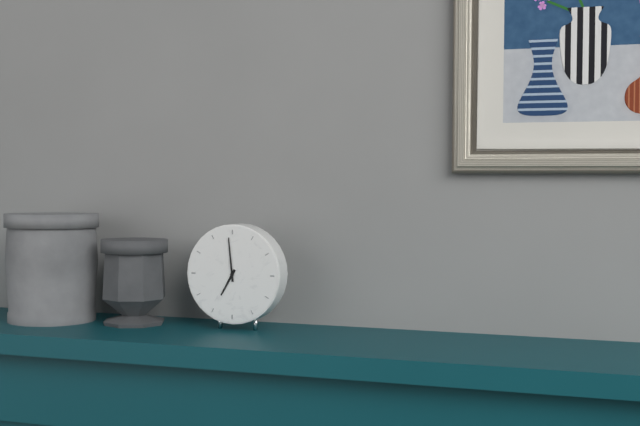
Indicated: 6 h 59 min
